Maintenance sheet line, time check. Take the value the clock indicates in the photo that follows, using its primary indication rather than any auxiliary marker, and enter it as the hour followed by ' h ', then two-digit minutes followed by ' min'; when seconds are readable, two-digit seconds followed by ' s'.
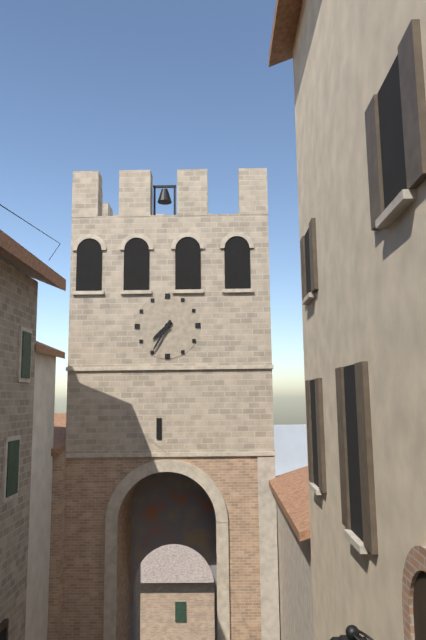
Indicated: 7 h 35 min
